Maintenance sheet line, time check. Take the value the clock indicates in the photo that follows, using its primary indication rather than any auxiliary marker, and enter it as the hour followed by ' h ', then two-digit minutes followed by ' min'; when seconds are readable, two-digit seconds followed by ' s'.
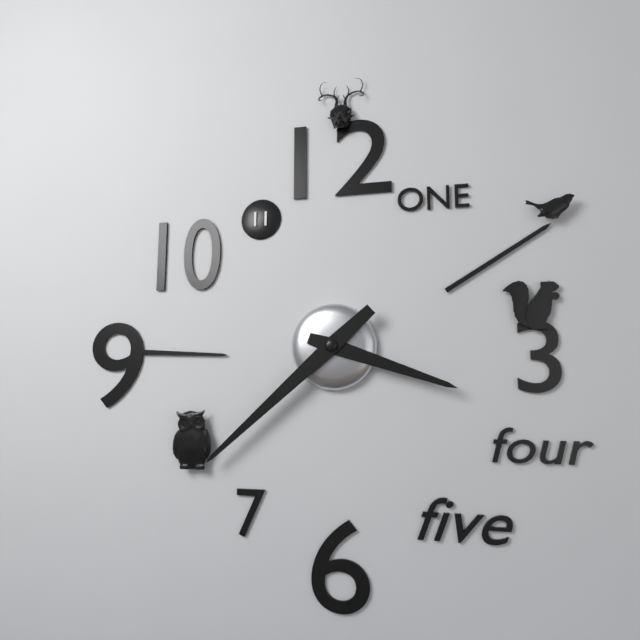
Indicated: 3 h 38 min
